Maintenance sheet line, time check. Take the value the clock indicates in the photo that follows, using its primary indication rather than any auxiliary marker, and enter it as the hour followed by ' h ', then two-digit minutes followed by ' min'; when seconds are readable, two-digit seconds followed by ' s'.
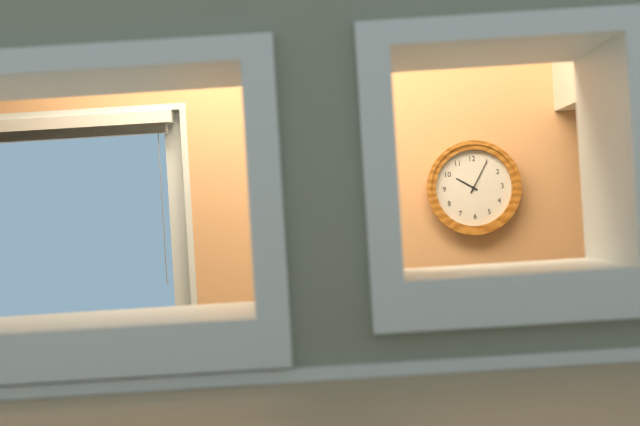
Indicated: 10 h 05 min
